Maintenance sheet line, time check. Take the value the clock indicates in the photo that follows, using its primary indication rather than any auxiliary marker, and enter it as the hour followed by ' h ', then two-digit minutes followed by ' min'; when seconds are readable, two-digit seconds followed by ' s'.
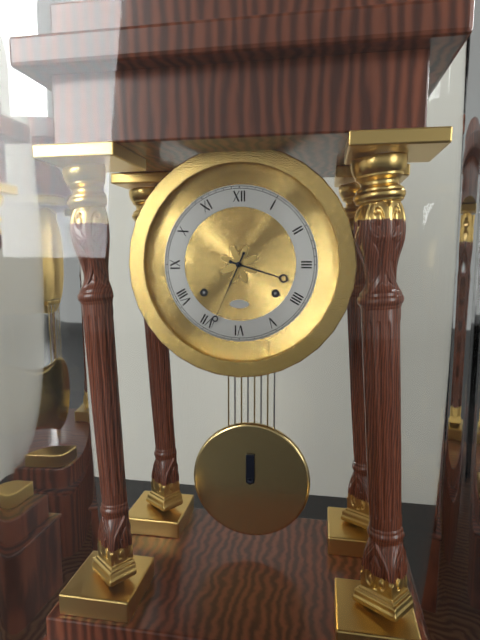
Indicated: 3 h 34 min
